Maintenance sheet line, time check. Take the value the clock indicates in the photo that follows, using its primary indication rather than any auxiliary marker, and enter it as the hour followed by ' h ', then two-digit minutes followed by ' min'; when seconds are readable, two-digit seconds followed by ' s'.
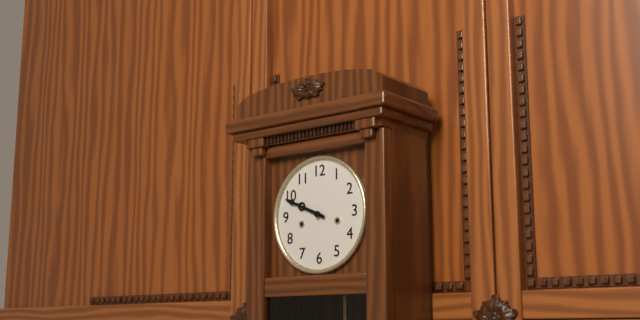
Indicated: 9 h 49 min
